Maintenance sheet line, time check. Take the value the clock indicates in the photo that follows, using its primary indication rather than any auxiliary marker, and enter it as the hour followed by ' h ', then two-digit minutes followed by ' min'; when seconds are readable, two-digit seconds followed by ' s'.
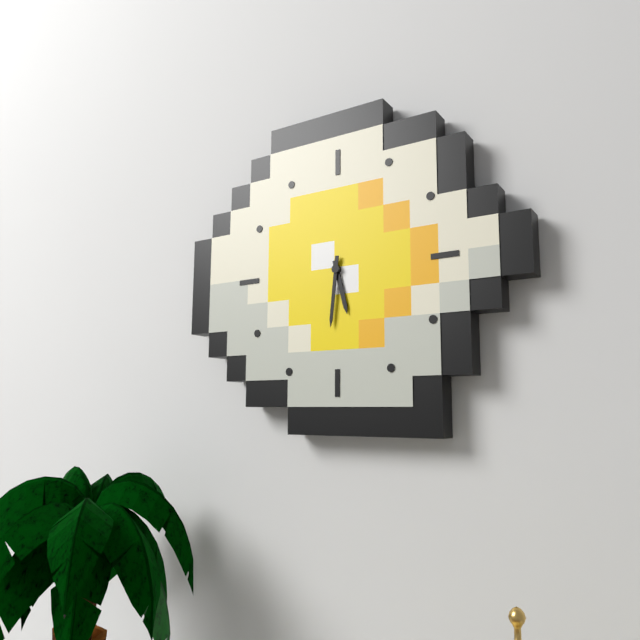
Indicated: 5 h 31 min
